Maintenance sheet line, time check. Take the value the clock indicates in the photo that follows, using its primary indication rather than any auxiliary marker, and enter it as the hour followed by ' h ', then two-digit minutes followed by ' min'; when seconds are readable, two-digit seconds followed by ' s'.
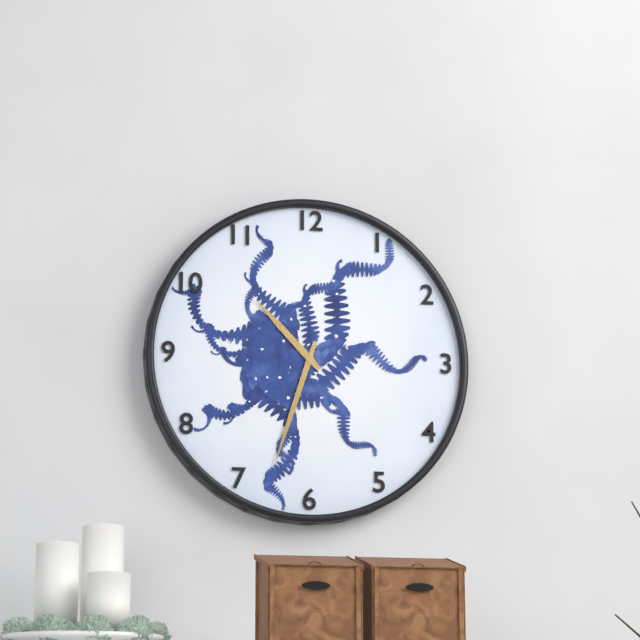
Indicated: 10 h 33 min
